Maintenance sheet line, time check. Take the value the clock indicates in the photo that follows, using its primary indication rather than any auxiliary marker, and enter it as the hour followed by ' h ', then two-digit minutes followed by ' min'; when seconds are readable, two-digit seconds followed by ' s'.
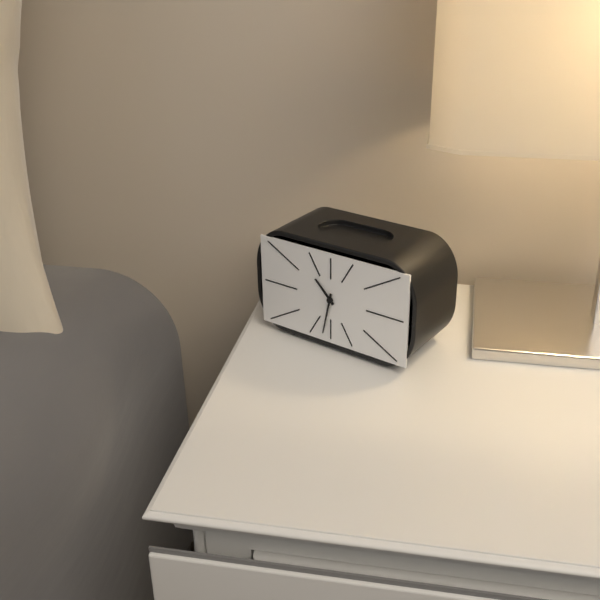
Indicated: 10 h 32 min
